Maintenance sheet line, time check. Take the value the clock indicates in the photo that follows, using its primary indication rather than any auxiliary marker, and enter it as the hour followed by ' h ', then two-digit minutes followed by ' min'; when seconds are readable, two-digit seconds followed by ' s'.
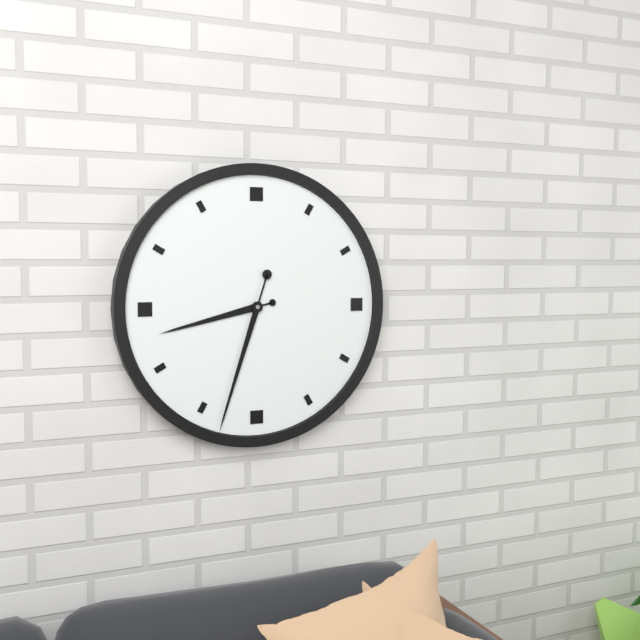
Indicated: 8 h 33 min
